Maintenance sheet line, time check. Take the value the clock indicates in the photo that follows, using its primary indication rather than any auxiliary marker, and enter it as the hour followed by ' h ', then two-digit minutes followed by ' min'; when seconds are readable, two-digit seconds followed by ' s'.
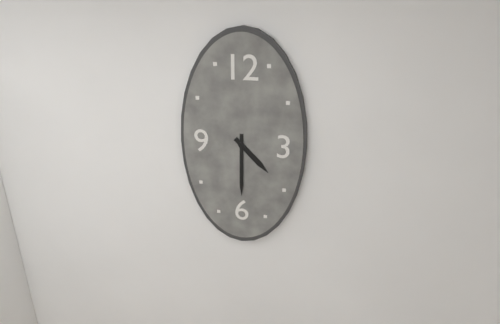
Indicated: 4 h 30 min
